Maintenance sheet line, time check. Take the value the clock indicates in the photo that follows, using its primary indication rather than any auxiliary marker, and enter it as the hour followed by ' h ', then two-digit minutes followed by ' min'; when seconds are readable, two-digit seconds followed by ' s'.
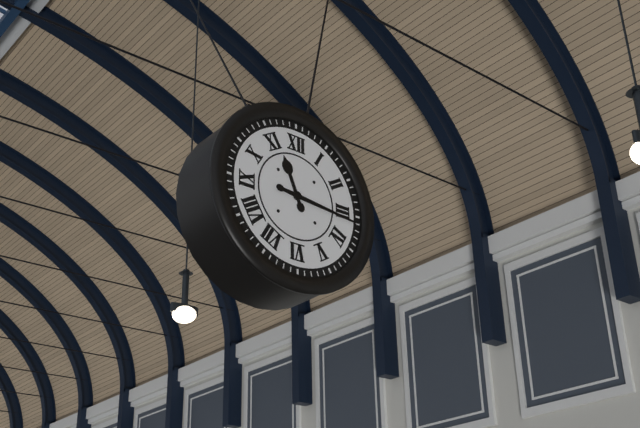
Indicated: 11 h 16 min
